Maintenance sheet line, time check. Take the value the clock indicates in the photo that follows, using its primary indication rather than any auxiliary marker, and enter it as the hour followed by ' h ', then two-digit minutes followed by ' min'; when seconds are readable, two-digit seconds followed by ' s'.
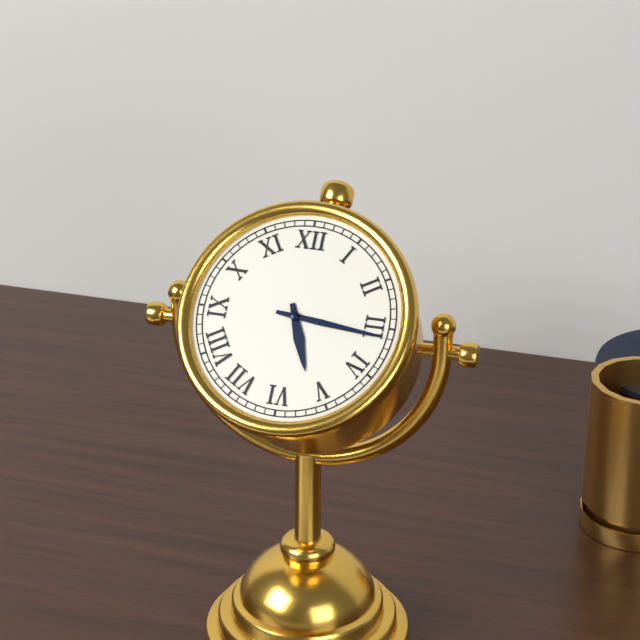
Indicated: 5 h 16 min
